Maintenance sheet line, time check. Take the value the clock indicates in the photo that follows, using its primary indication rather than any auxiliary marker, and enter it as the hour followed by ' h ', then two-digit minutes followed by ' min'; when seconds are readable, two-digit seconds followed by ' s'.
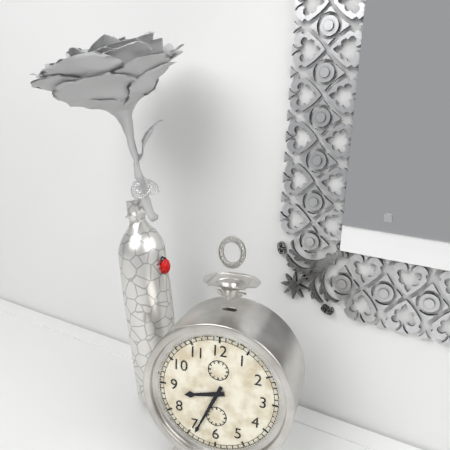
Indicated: 8 h 34 min
